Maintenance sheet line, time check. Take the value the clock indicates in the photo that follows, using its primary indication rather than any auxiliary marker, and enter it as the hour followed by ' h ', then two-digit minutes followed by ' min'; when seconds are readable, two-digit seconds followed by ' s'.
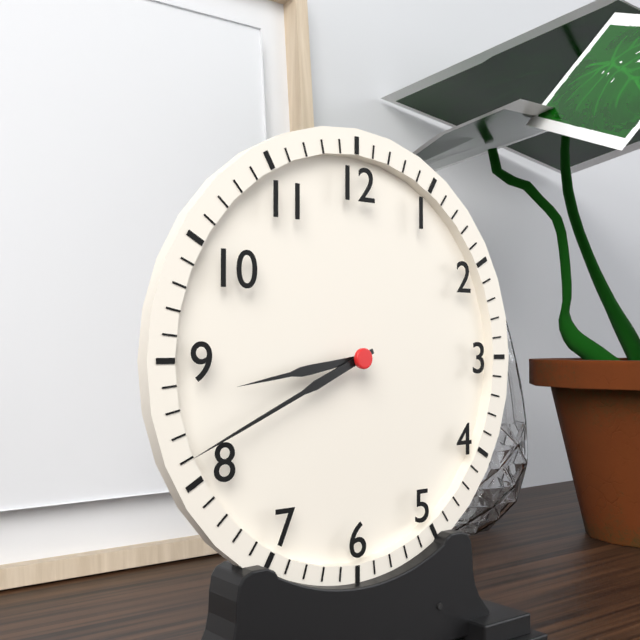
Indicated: 8 h 41 min
